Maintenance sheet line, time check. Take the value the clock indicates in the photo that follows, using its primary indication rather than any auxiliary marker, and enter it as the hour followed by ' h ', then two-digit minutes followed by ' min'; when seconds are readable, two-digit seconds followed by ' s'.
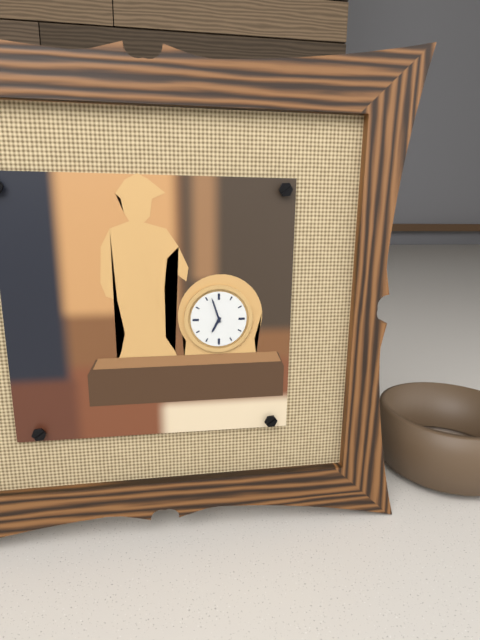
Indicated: 6 h 57 min
